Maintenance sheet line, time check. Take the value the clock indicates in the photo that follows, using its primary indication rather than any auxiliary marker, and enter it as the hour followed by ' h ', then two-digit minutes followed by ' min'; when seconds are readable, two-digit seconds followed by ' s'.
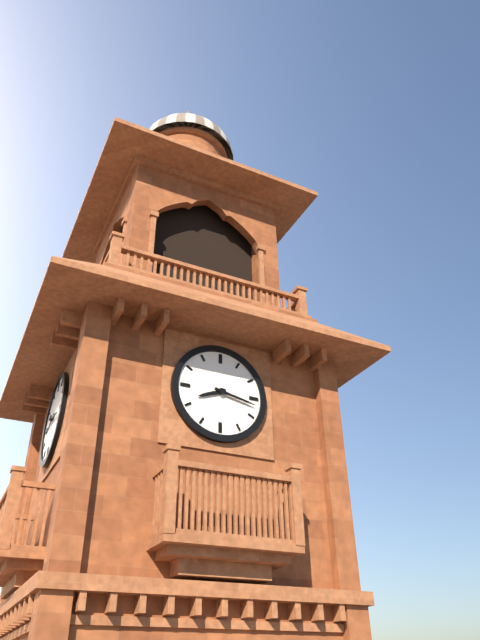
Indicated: 8 h 17 min
